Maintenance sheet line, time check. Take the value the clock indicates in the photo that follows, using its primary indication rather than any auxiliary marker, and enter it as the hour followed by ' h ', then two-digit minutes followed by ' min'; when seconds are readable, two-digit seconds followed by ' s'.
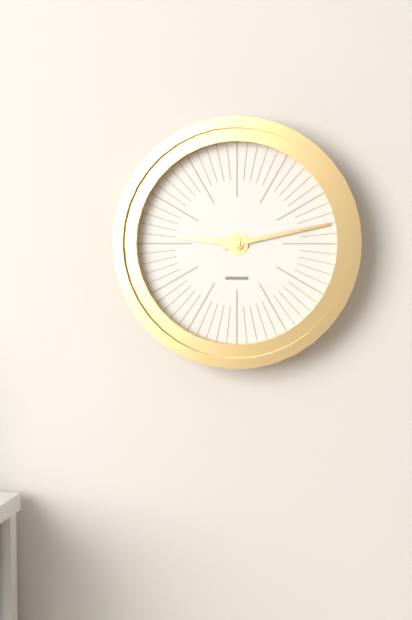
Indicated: 9 h 13 min
